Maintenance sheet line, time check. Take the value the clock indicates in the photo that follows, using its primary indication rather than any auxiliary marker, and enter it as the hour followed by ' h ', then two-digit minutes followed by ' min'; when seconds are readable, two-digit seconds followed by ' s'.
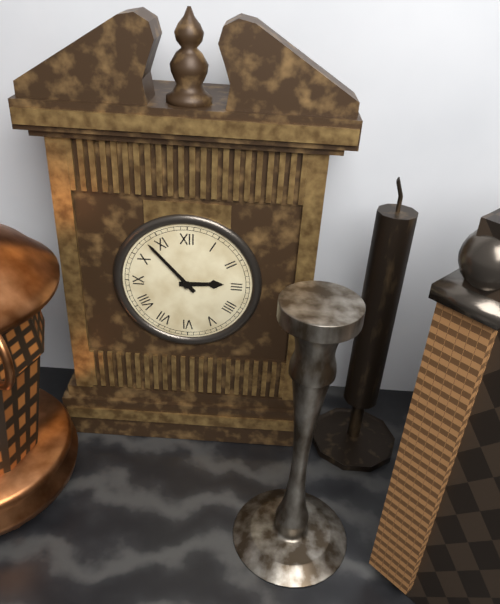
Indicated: 2 h 53 min
